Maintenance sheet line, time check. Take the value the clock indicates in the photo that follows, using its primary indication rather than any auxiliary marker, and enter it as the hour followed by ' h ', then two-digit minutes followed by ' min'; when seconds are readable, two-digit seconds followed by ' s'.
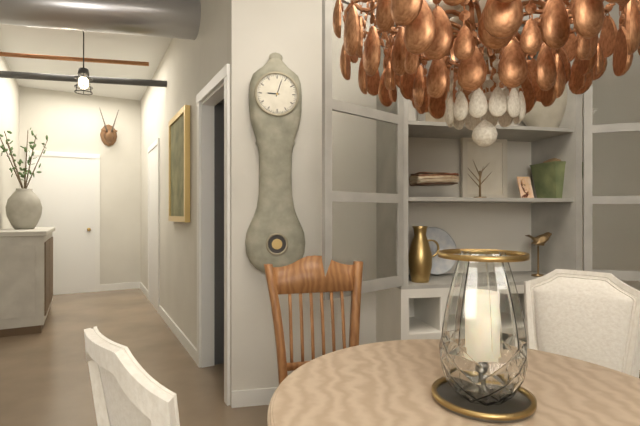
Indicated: 9 h 03 min
